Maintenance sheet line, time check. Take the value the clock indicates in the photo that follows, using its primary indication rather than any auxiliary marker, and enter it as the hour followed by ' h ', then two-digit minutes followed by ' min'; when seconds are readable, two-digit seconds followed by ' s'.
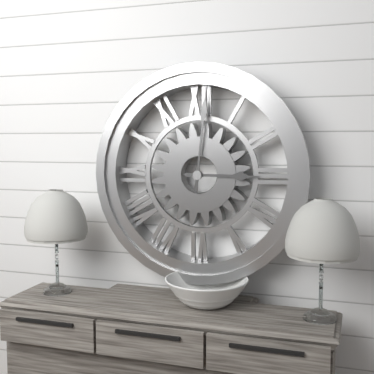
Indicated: 3 h 01 min
